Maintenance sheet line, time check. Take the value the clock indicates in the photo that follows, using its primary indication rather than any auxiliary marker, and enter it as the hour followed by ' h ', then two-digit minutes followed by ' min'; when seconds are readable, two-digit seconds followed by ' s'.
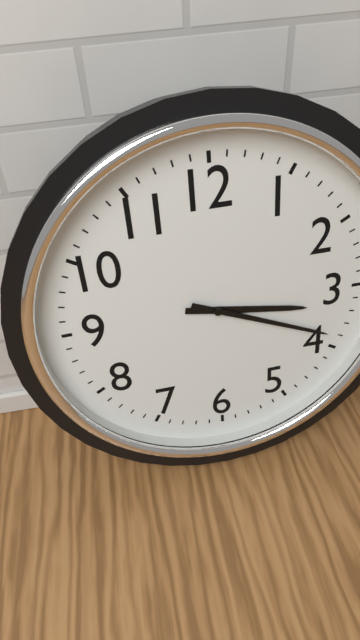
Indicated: 3 h 19 min
